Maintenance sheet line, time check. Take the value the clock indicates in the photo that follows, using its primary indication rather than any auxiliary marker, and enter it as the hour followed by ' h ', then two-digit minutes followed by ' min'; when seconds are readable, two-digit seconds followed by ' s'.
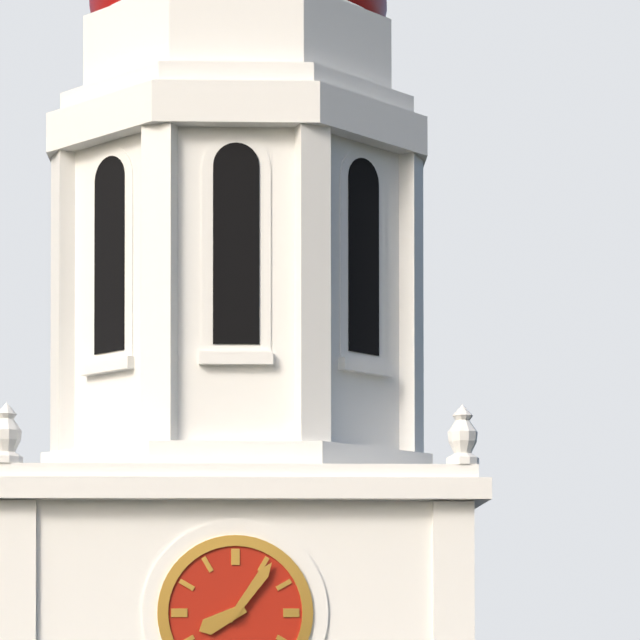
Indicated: 8 h 06 min
